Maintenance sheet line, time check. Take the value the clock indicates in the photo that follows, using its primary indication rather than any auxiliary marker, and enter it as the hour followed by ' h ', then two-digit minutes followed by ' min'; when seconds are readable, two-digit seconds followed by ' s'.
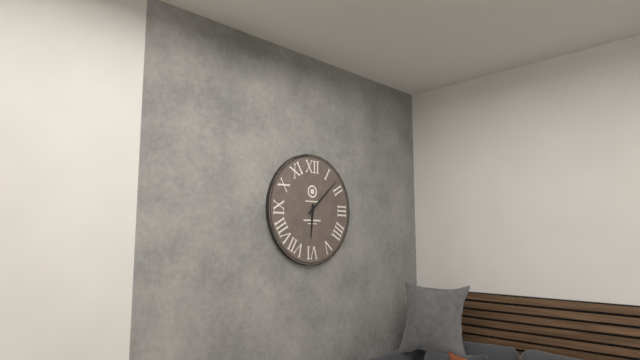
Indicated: 6 h 08 min
